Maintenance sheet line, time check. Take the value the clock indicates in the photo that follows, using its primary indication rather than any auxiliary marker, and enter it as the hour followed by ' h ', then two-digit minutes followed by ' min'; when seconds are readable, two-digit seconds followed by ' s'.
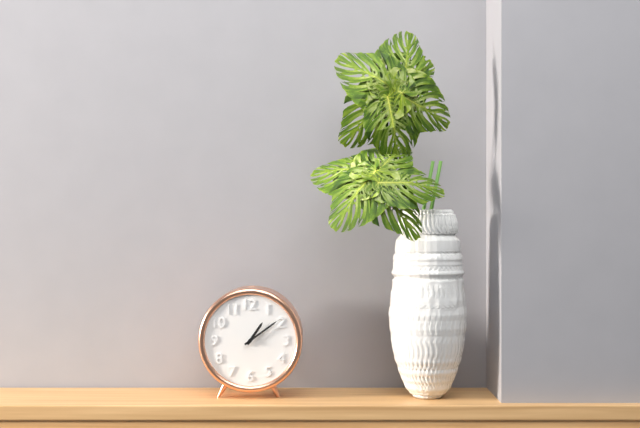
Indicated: 1 h 09 min
